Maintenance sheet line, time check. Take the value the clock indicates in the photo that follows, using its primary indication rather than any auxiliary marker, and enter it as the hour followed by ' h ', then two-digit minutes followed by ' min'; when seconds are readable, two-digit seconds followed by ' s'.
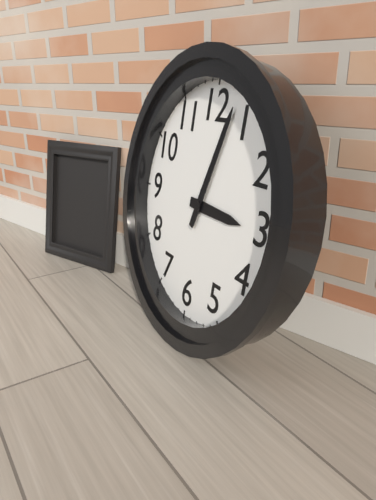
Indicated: 3 h 03 min
